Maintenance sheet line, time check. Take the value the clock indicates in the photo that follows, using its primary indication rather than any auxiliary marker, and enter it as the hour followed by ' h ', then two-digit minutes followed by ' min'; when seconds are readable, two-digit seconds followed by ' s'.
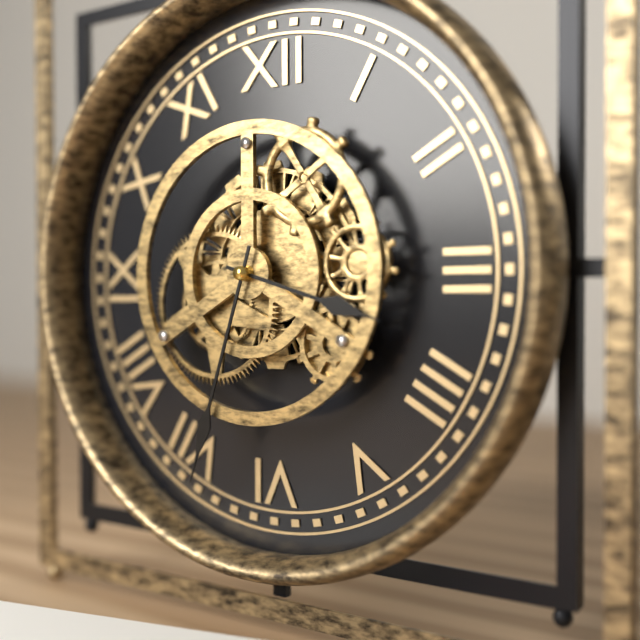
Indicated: 3 h 33 min
